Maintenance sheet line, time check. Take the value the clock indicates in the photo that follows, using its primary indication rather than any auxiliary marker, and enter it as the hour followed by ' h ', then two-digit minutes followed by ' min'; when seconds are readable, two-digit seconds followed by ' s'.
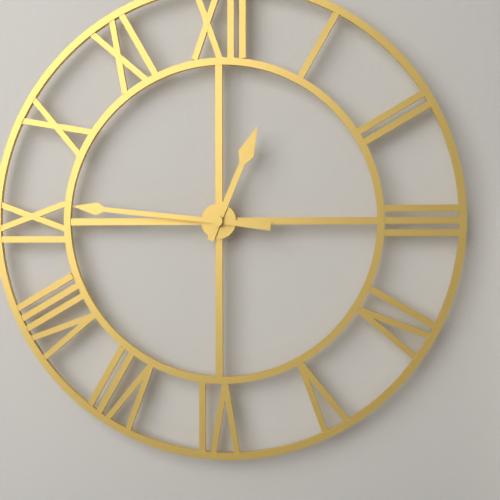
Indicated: 12 h 46 min
